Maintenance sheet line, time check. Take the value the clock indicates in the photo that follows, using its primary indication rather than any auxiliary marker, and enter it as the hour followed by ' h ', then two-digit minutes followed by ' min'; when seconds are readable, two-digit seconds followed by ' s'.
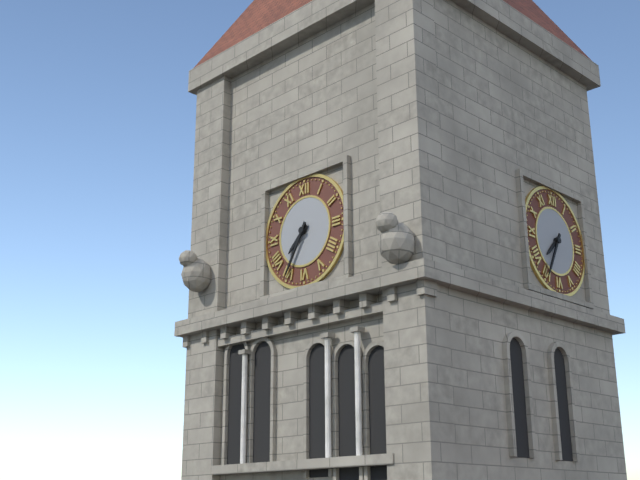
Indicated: 7 h 35 min
